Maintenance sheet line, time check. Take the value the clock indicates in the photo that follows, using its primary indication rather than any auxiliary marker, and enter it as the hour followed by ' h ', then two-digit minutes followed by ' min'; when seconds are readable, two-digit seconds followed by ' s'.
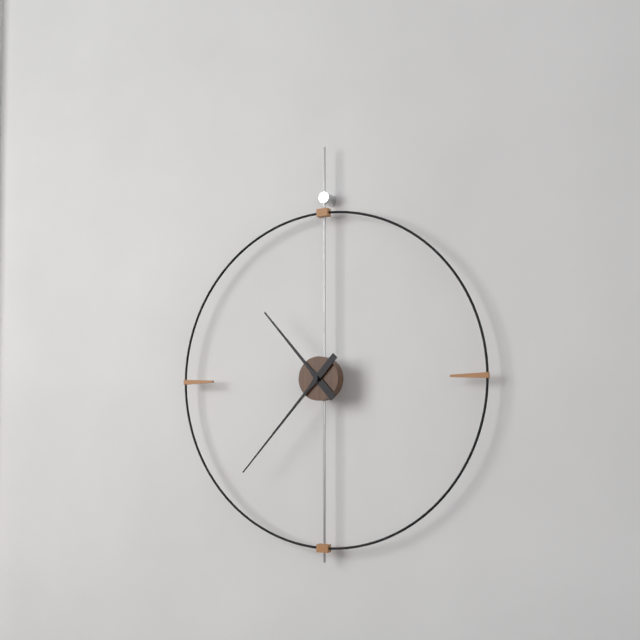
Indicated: 10 h 37 min
